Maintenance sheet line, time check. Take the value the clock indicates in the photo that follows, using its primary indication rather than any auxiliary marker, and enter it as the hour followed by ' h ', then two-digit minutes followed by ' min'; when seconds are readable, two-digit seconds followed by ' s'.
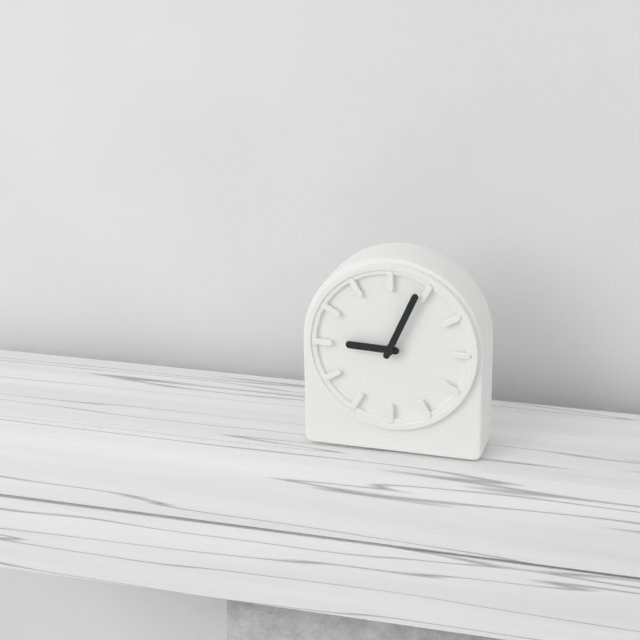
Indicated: 9 h 04 min
